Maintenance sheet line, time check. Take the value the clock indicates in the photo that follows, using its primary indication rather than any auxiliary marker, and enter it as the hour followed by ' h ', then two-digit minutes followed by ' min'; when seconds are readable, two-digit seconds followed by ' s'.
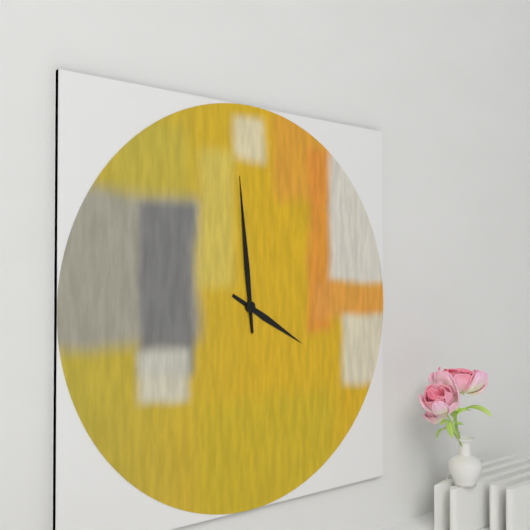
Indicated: 3 h 59 min
